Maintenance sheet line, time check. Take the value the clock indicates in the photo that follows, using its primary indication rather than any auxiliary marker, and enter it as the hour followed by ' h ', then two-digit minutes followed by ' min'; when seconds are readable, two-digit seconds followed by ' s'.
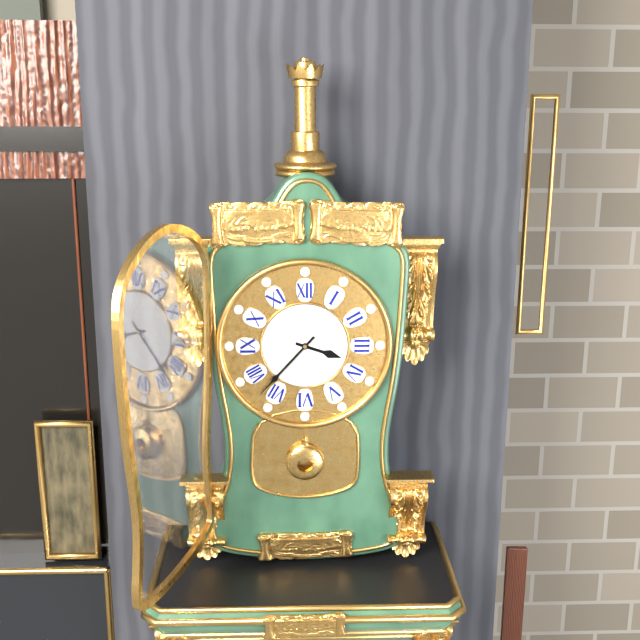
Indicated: 3 h 37 min
